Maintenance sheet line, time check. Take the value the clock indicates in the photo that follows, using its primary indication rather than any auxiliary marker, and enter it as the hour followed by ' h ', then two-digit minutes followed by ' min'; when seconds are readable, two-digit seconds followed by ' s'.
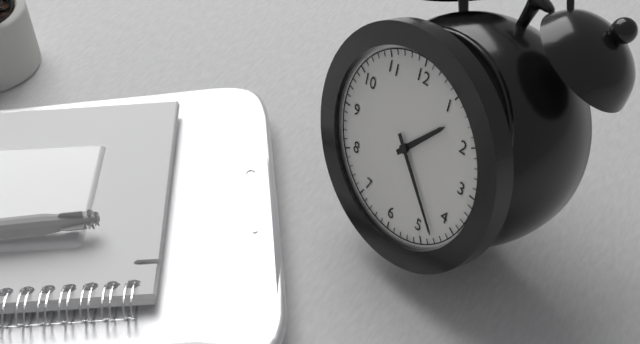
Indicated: 1 h 23 min
